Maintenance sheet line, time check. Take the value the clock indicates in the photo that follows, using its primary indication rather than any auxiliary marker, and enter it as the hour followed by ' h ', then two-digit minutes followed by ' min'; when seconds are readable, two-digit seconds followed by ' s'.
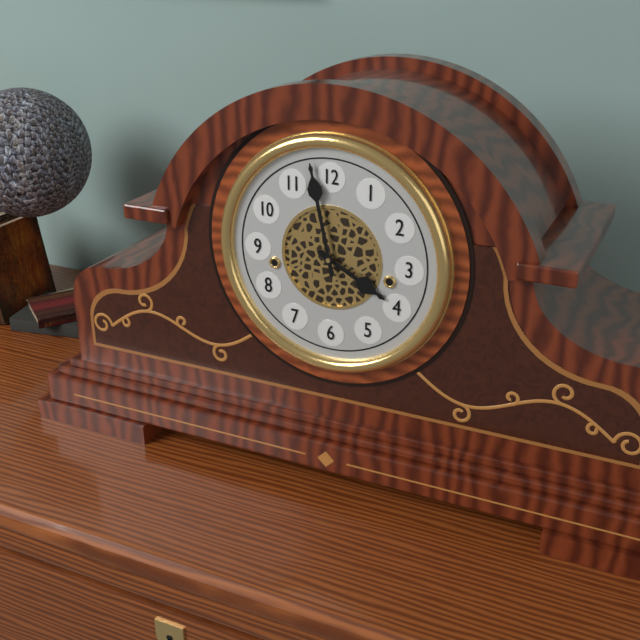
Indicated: 3 h 58 min
